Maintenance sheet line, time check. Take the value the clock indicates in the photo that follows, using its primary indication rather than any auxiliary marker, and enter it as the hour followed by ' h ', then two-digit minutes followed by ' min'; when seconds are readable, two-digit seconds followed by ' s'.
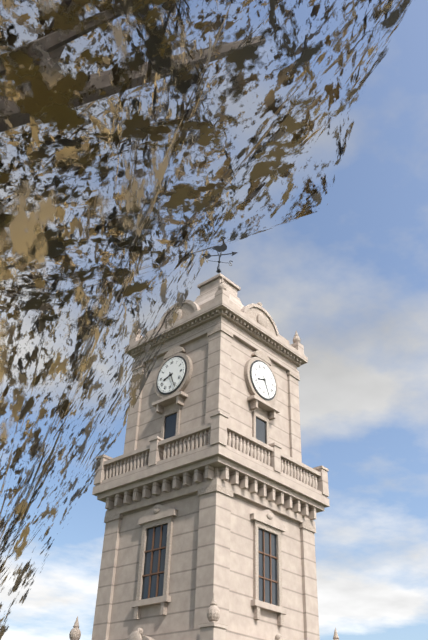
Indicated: 8 h 26 min
